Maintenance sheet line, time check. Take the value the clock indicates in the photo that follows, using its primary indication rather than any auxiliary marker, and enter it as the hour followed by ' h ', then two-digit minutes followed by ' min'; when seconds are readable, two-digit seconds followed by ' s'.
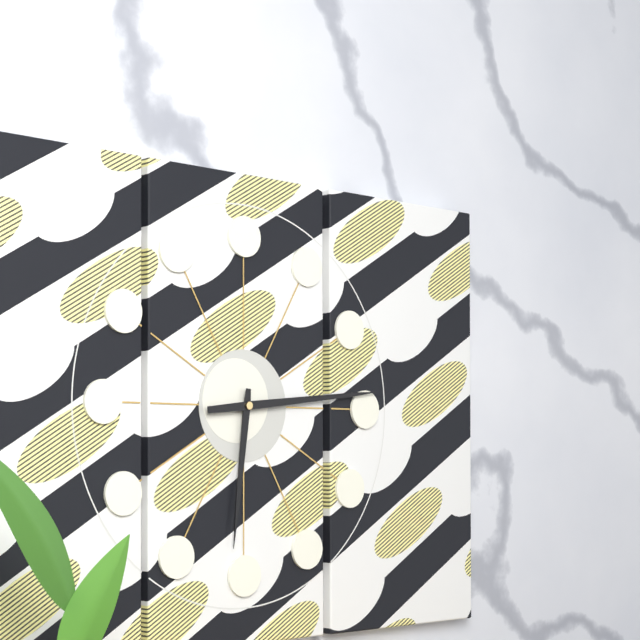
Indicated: 6 h 14 min
